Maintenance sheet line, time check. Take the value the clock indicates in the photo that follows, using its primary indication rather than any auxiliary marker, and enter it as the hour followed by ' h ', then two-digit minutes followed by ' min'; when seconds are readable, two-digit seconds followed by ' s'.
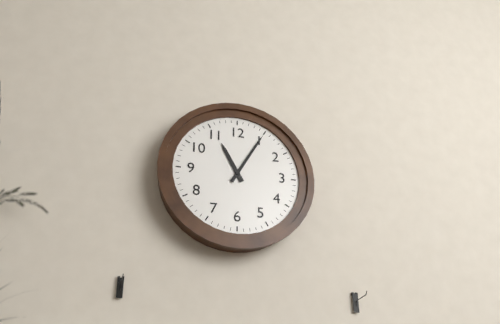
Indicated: 11 h 05 min
